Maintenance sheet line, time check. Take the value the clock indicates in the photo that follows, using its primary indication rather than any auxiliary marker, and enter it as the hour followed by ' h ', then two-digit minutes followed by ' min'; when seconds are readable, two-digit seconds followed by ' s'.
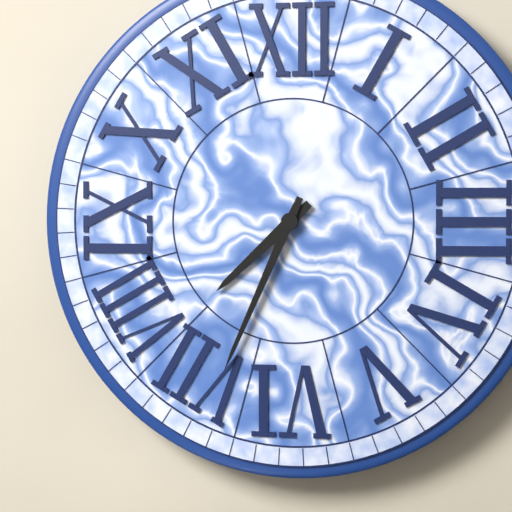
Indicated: 7 h 34 min
